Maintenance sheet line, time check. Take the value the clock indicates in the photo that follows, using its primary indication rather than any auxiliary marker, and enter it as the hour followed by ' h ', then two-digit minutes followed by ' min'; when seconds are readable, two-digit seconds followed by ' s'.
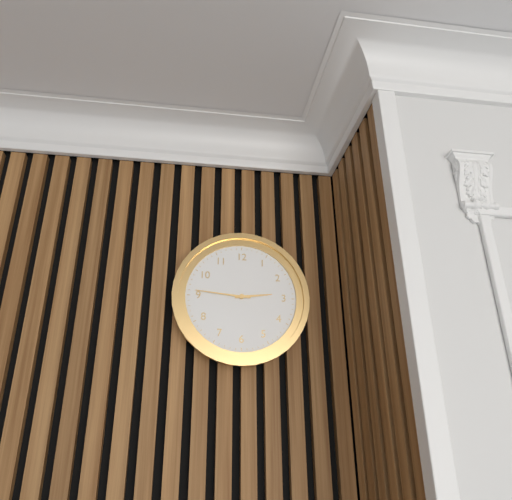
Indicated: 2 h 46 min
